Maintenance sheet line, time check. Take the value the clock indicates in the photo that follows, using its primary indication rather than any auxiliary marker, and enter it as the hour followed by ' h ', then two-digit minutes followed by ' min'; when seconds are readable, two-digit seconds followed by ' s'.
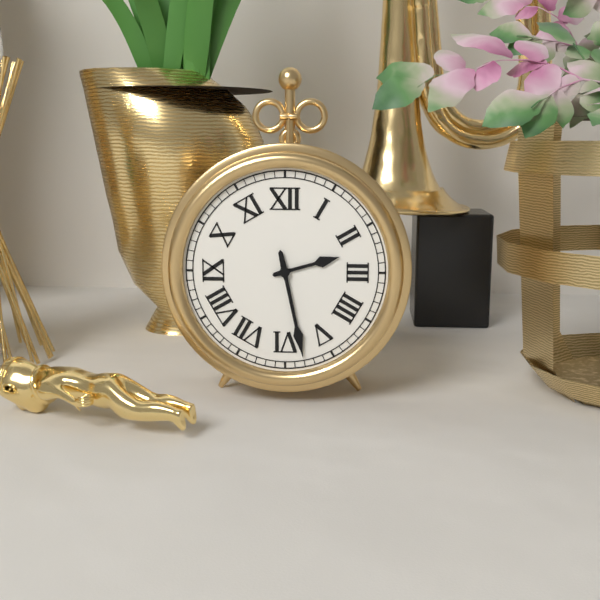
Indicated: 2 h 28 min
